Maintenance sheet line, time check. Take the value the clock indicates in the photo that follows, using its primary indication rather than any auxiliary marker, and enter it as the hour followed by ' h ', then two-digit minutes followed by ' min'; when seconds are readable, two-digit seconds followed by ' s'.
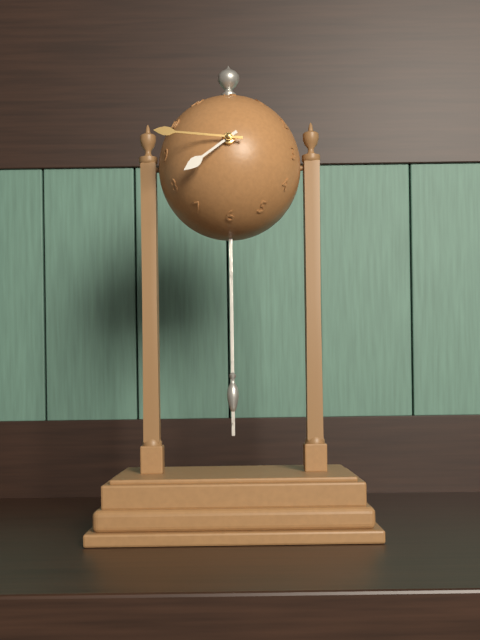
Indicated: 7 h 46 min
